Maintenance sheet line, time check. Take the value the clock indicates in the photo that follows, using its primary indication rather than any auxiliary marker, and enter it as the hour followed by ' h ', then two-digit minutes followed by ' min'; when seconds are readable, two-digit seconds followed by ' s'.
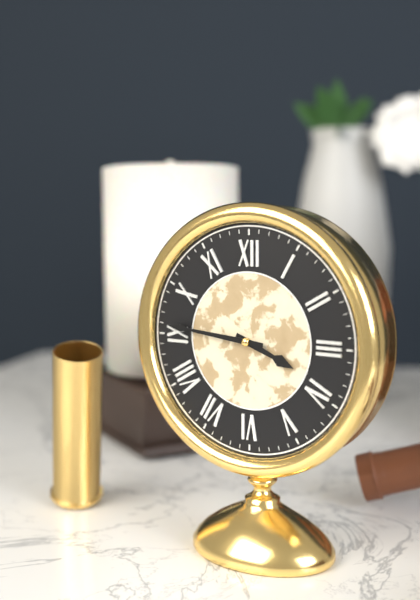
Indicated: 3 h 46 min
